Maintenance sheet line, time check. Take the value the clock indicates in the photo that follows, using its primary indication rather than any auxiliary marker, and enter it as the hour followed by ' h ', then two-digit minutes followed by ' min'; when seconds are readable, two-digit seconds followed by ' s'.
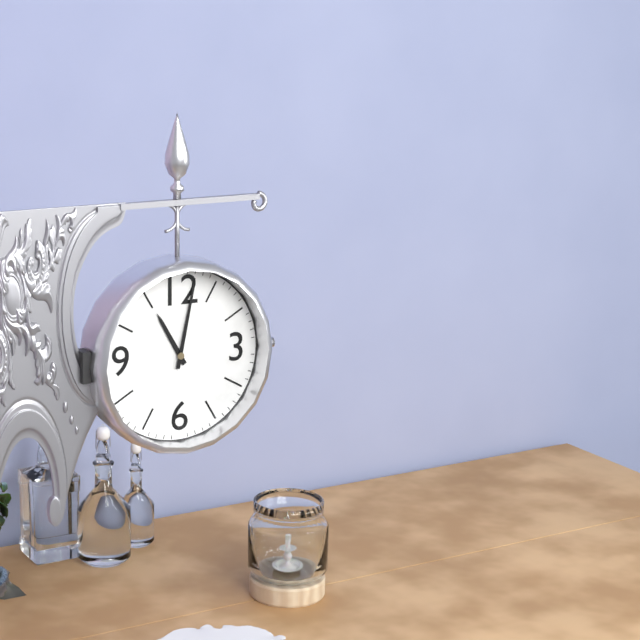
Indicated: 11 h 02 min
